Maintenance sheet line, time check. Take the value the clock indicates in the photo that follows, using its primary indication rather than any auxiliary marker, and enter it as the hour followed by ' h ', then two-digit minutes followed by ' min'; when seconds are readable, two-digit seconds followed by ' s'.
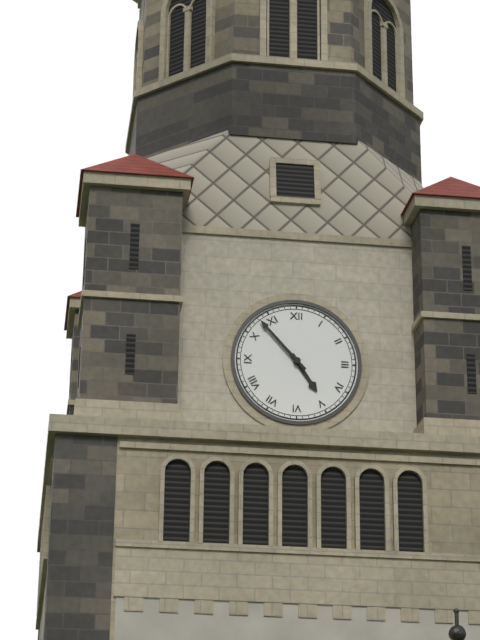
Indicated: 4 h 53 min
